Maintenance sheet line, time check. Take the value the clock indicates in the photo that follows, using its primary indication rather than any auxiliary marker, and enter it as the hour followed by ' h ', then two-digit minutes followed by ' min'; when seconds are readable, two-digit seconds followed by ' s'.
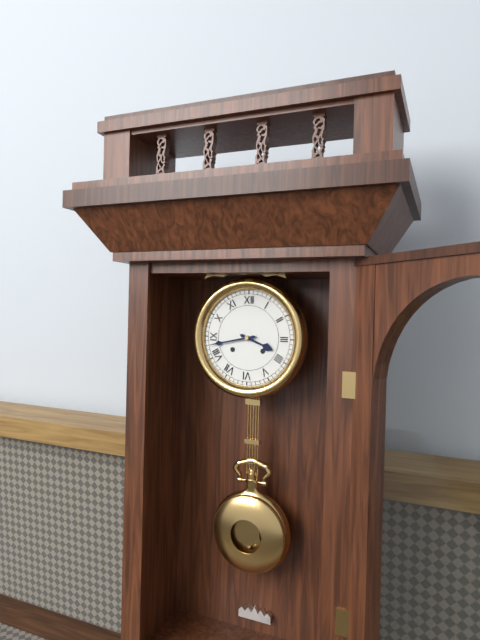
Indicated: 3 h 43 min
